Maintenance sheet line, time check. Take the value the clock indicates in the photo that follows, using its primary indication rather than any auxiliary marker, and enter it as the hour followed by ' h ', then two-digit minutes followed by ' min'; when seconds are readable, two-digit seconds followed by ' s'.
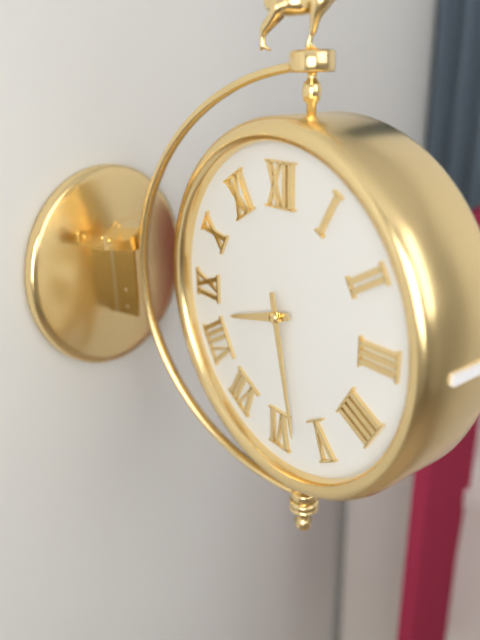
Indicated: 8 h 28 min
